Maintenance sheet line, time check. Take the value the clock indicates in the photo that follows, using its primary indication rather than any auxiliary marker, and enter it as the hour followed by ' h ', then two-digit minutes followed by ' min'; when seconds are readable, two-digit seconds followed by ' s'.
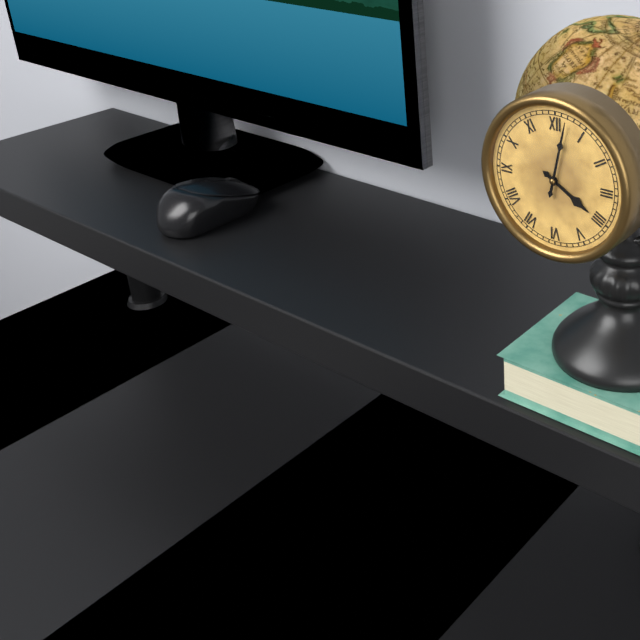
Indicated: 4 h 02 min
